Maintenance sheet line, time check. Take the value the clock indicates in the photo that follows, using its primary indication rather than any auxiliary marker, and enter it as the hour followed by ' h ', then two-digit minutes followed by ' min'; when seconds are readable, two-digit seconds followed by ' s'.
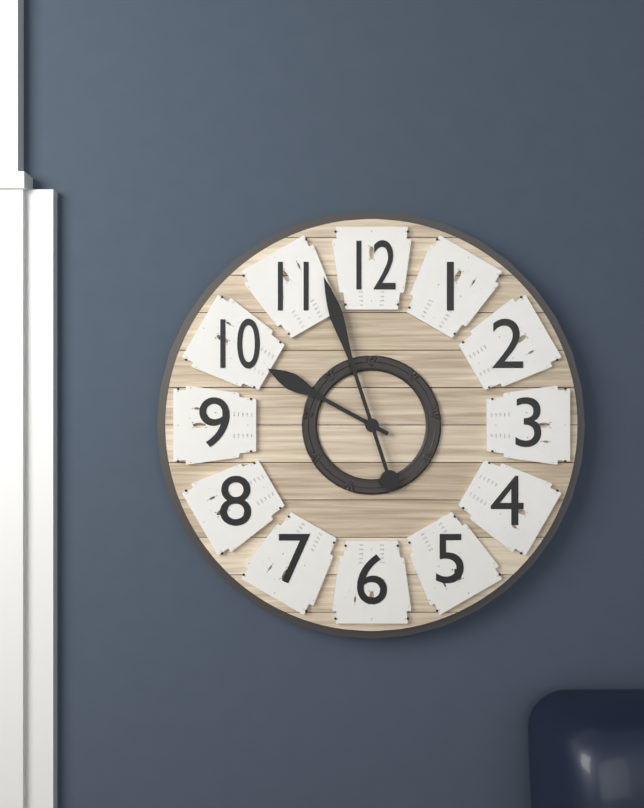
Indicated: 9 h 57 min
